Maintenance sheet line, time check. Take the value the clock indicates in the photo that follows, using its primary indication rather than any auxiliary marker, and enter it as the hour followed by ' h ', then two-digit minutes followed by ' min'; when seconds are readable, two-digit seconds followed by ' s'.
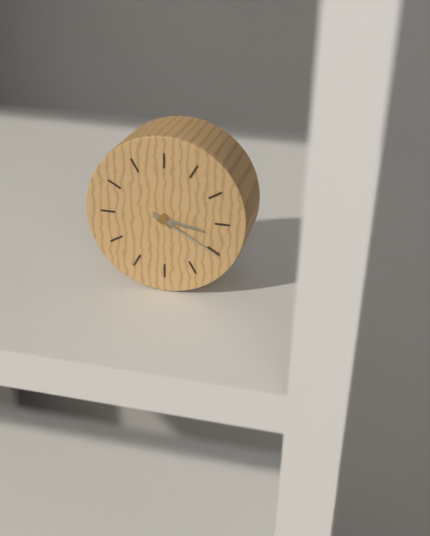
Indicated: 3 h 20 min
